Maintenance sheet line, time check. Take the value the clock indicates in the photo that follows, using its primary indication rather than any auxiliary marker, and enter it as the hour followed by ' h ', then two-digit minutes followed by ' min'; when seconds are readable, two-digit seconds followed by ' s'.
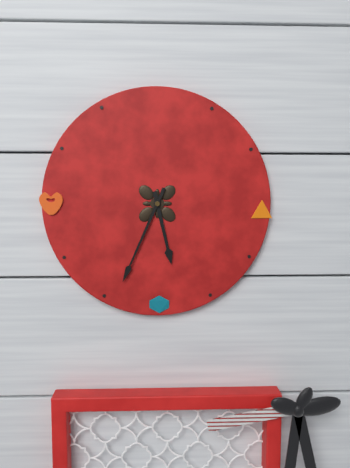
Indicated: 5 h 34 min
